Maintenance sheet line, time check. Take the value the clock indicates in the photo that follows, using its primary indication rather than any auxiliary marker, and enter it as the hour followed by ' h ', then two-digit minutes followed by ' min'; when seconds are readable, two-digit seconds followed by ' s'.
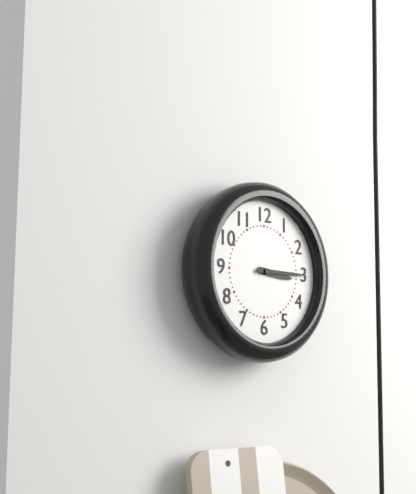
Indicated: 3 h 15 min
